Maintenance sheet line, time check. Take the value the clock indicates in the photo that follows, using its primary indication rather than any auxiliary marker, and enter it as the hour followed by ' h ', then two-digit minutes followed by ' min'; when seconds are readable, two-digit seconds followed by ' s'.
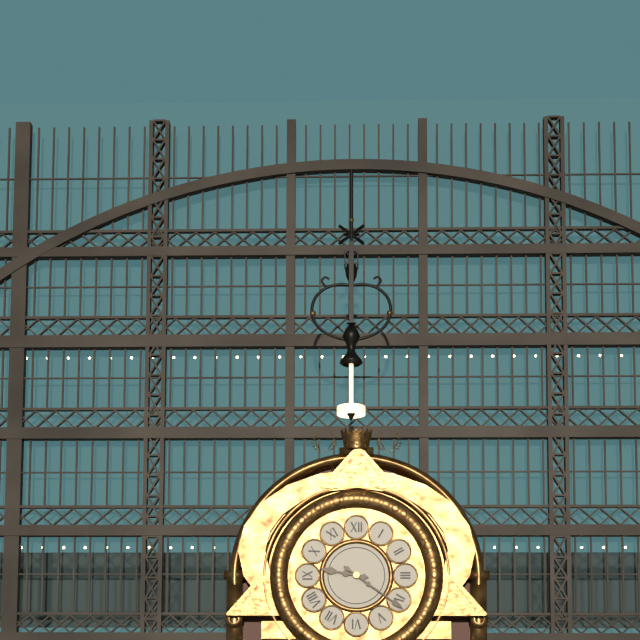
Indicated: 9 h 21 min
